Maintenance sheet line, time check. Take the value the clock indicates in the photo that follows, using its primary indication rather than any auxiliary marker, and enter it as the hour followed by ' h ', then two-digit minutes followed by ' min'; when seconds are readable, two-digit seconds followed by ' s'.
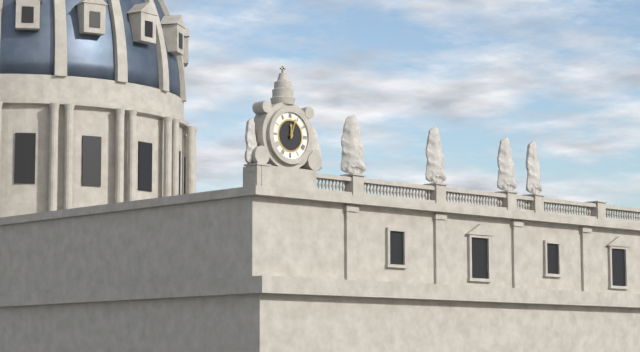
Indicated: 12 h 03 min
